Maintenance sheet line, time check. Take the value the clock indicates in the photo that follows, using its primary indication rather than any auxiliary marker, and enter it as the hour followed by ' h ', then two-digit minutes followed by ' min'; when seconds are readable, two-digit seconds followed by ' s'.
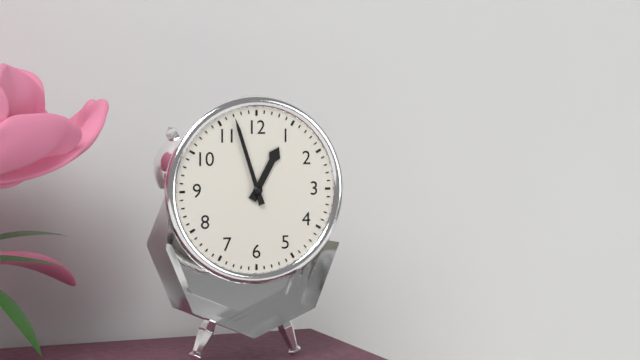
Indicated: 12 h 57 min
